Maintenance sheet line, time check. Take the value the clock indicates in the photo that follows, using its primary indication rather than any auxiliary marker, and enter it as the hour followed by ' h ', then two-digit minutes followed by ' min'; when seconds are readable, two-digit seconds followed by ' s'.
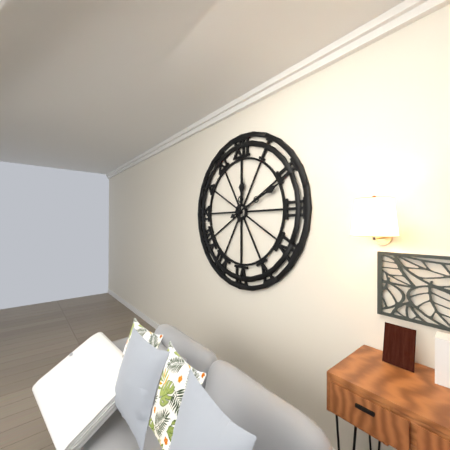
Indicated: 12 h 11 min
